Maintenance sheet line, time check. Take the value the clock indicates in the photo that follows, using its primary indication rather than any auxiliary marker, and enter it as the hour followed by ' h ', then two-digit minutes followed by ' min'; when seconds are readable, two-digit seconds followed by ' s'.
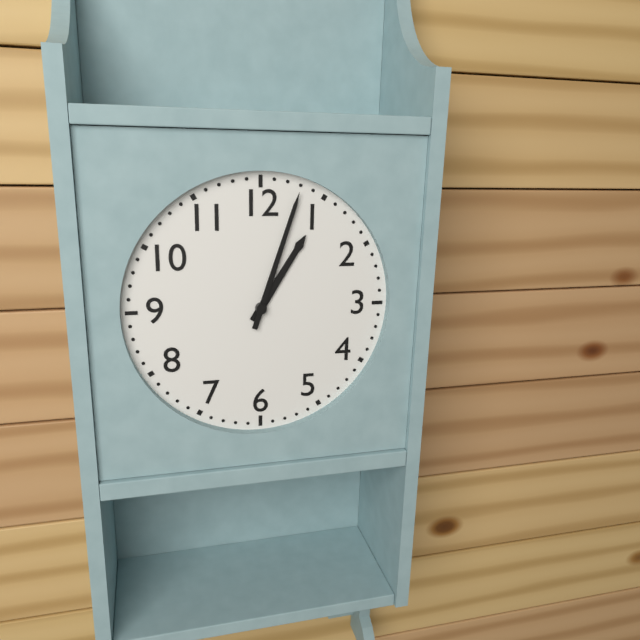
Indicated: 1 h 03 min
